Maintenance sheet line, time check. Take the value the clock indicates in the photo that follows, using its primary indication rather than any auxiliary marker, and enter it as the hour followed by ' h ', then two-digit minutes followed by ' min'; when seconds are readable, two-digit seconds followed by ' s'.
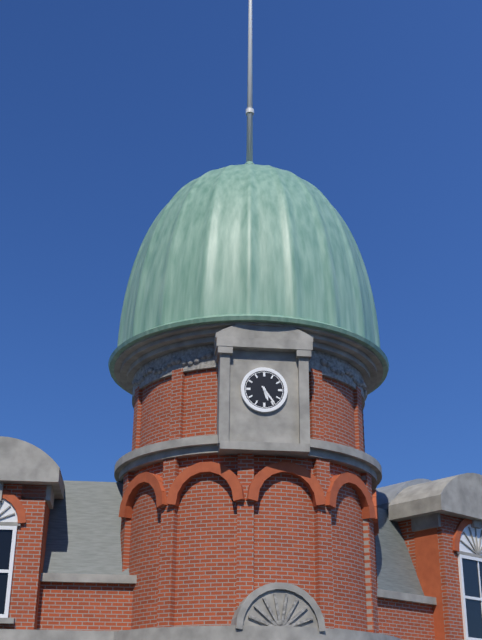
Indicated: 5 h 24 min
